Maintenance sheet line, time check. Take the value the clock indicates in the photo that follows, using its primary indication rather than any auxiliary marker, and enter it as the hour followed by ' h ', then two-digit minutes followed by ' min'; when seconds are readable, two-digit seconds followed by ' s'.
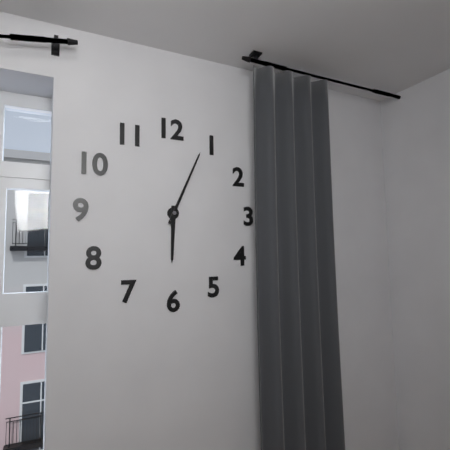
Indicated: 6 h 04 min
